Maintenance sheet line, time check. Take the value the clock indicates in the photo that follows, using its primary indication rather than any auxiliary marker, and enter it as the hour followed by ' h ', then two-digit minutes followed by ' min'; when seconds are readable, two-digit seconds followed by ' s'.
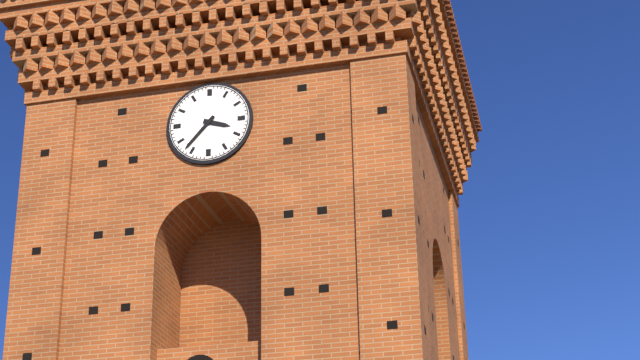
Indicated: 3 h 37 min
